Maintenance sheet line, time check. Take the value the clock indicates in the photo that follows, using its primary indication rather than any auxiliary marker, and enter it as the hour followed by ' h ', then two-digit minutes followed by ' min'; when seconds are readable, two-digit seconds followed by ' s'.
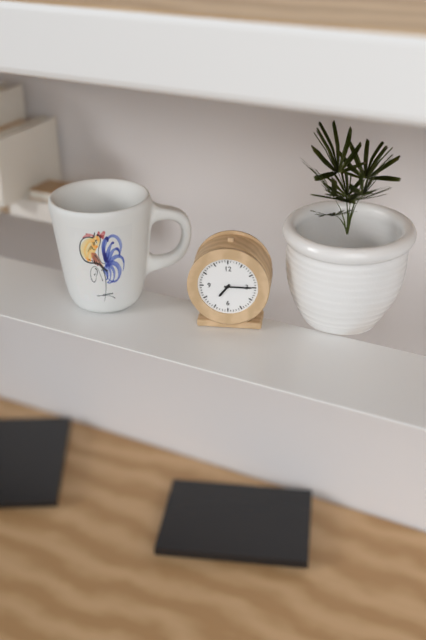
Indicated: 7 h 15 min
